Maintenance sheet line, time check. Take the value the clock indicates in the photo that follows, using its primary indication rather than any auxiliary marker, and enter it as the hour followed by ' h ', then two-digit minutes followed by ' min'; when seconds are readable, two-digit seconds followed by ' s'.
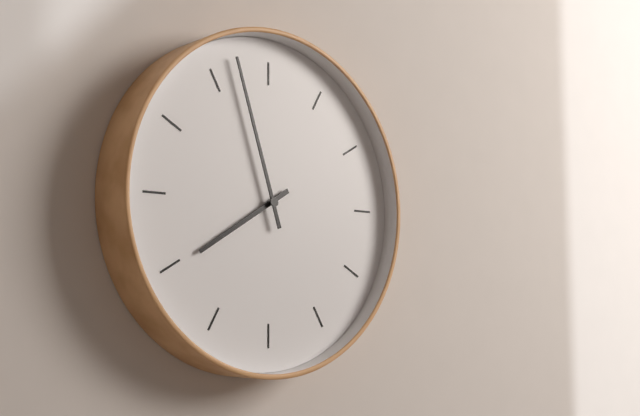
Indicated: 7 h 57 min
